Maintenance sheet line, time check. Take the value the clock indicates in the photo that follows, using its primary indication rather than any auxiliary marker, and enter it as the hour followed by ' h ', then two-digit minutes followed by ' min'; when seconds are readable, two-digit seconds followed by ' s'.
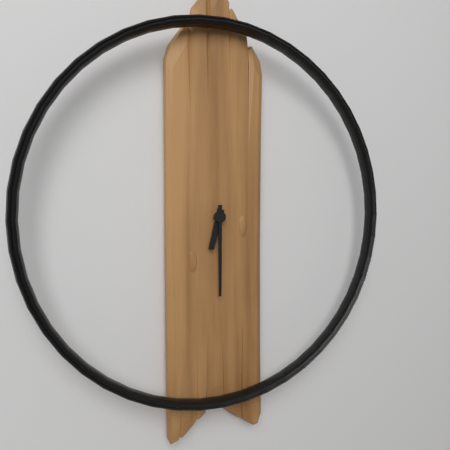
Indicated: 6 h 30 min
